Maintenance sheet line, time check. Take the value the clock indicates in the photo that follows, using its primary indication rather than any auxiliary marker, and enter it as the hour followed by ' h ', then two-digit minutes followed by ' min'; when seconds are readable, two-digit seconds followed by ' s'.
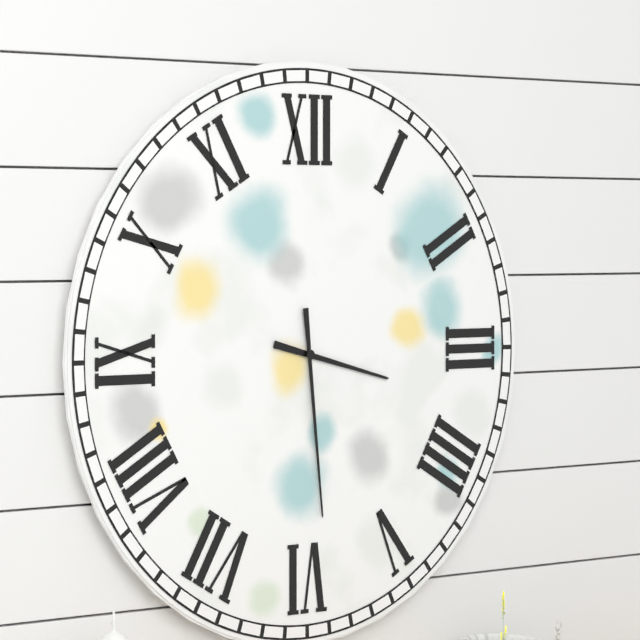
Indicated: 3 h 29 min
